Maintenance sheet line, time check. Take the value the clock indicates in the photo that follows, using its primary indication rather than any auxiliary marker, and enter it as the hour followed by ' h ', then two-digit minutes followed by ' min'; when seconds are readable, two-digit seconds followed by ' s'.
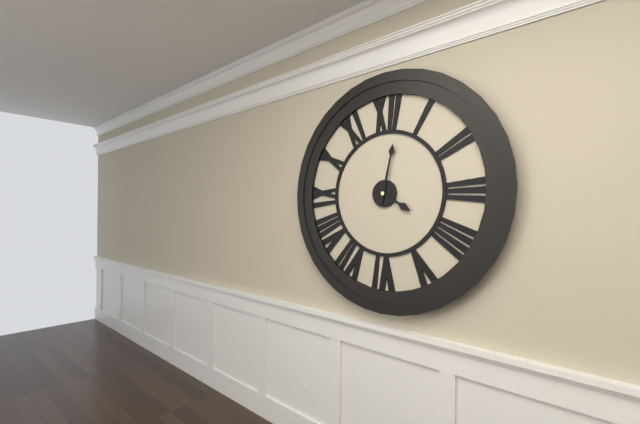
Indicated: 4 h 02 min
